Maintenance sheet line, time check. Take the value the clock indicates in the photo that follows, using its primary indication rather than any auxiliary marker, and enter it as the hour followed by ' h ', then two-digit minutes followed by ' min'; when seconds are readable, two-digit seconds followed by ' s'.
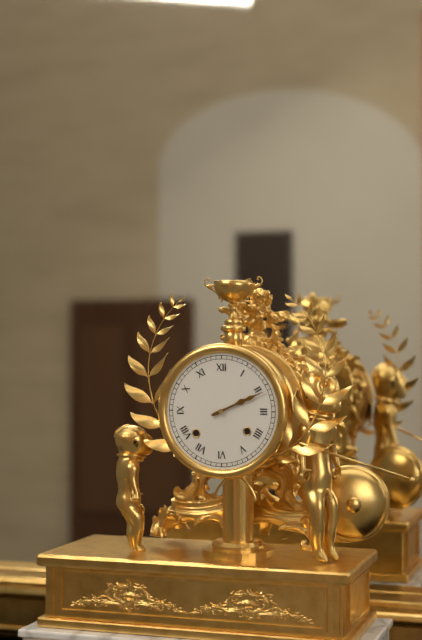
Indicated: 2 h 11 min
